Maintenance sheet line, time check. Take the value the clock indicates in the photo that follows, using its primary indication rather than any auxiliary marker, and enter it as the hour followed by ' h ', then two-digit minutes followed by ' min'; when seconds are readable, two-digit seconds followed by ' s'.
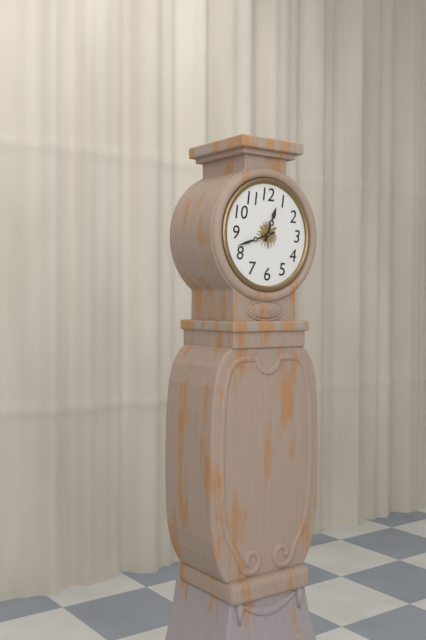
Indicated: 12 h 42 min
